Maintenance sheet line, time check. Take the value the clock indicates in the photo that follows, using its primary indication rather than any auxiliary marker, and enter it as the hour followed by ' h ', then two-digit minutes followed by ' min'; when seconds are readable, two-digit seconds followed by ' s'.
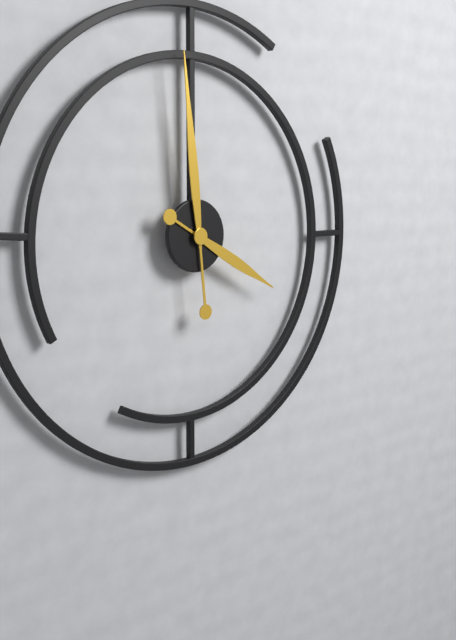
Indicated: 3 h 59 min
